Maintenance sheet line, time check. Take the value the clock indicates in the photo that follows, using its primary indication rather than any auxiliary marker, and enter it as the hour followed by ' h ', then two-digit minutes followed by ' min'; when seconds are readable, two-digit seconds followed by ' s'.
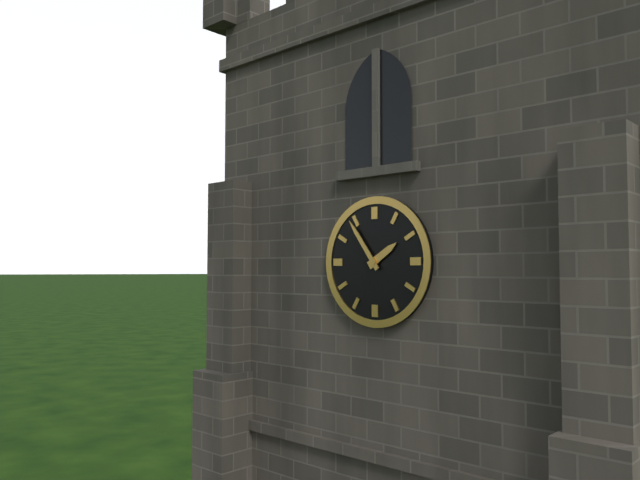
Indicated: 1 h 54 min
